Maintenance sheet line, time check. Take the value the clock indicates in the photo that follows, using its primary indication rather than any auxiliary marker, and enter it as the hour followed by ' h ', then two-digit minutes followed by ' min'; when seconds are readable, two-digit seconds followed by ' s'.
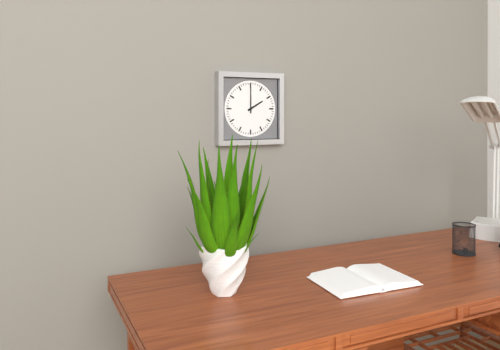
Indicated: 2 h 00 min
